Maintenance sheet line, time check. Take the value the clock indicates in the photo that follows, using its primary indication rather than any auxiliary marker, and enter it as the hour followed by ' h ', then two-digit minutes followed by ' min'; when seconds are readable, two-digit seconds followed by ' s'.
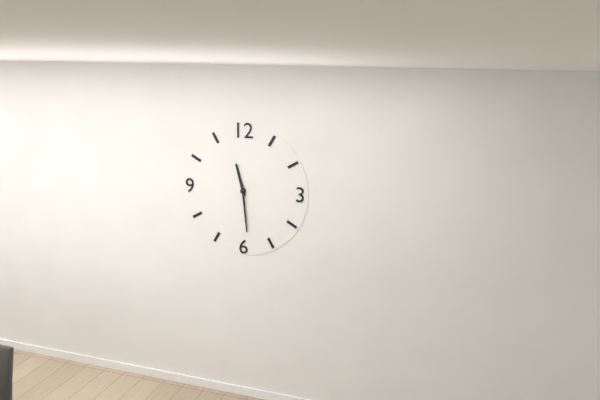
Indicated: 11 h 29 min
